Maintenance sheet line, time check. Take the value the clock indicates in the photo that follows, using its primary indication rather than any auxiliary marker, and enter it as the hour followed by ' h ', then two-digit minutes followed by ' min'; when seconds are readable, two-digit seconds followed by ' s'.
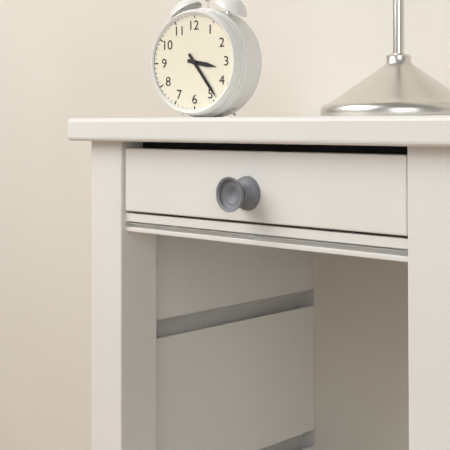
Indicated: 3 h 24 min
